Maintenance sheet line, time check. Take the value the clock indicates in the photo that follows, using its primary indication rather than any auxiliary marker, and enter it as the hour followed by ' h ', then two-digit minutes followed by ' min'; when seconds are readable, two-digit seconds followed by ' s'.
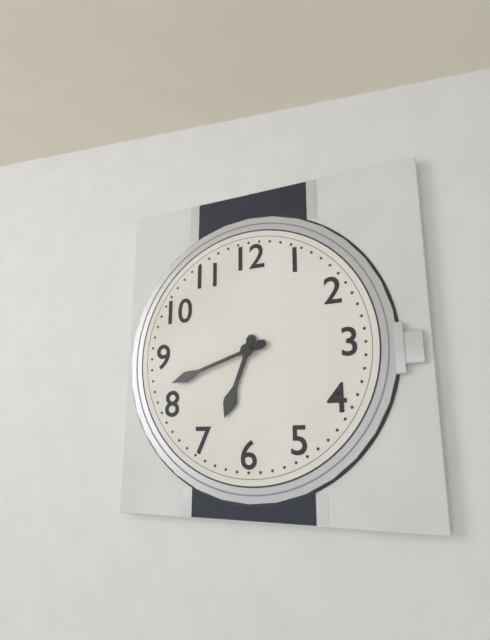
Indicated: 6 h 42 min
